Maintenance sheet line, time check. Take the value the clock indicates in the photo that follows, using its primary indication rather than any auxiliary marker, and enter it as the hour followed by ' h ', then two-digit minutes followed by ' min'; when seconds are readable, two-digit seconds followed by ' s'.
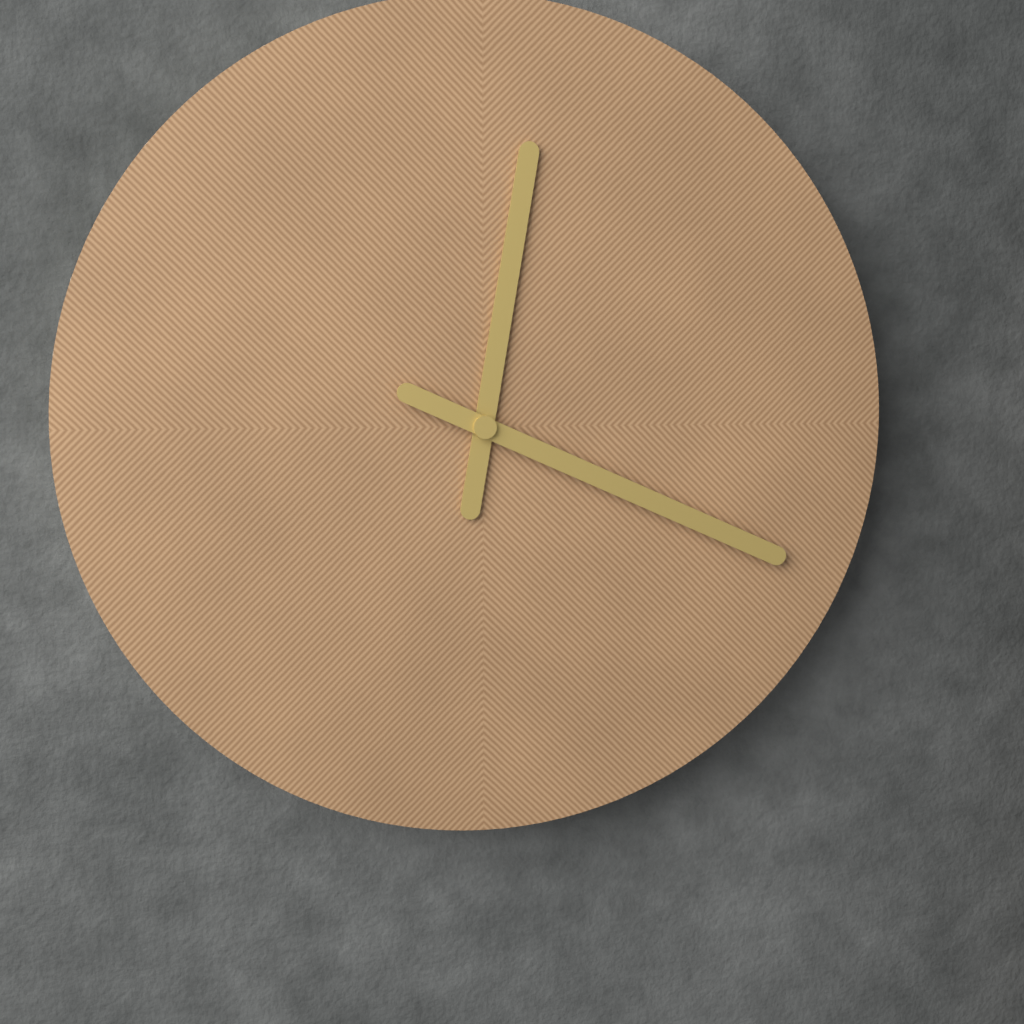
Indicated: 12 h 19 min
